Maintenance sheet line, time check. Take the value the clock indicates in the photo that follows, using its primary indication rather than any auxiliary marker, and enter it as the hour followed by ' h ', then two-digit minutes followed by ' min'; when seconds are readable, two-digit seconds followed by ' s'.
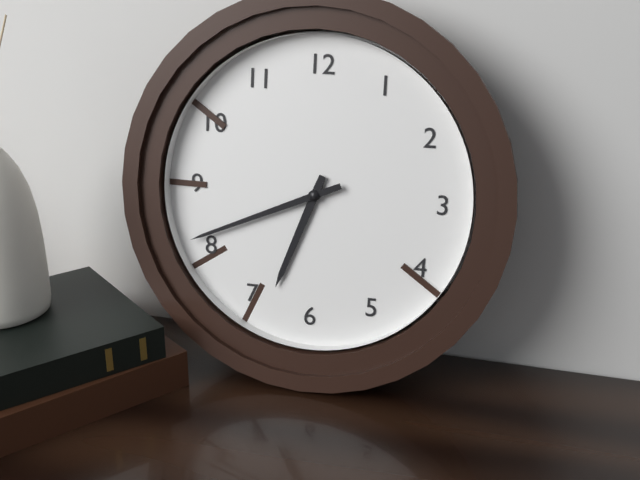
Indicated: 6 h 41 min
